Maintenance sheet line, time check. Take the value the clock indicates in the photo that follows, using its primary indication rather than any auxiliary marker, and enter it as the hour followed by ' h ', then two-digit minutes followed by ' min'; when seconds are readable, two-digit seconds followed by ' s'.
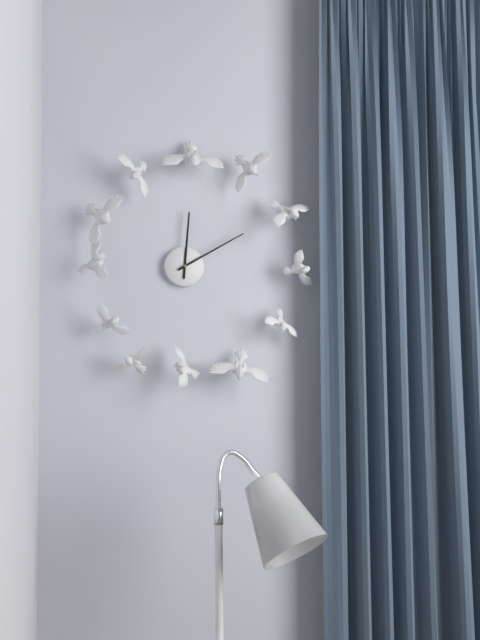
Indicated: 12 h 10 min
